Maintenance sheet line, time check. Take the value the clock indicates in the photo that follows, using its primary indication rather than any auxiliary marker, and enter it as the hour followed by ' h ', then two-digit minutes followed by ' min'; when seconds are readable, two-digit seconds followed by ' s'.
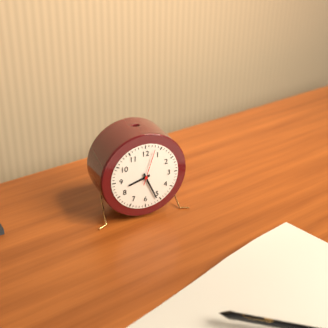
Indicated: 8 h 26 min
